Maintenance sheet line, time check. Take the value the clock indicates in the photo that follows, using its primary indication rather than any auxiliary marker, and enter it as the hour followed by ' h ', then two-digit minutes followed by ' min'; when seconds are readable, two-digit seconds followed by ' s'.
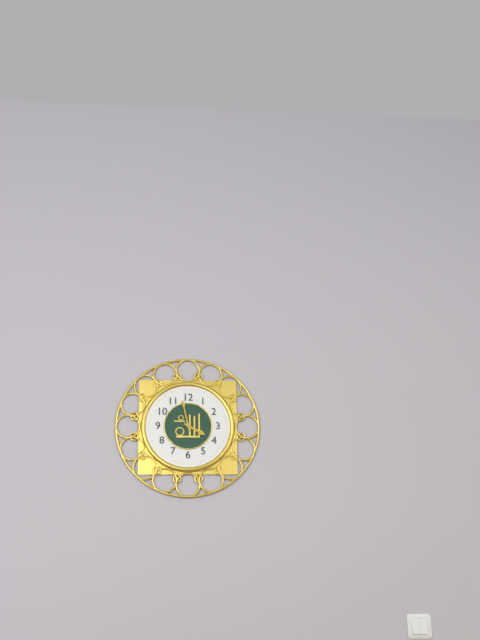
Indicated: 3 h 58 min
